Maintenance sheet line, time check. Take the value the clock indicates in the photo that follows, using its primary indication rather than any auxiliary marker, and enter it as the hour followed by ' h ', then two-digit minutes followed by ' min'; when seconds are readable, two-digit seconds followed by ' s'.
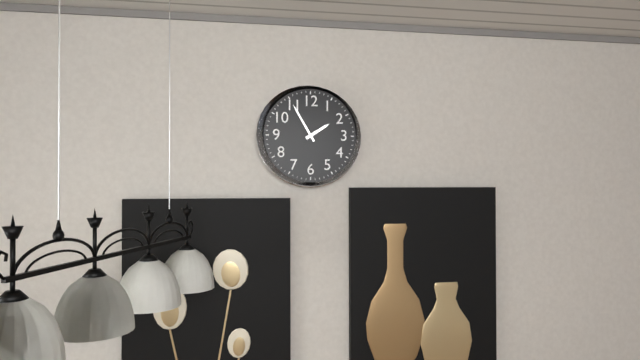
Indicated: 1 h 55 min
